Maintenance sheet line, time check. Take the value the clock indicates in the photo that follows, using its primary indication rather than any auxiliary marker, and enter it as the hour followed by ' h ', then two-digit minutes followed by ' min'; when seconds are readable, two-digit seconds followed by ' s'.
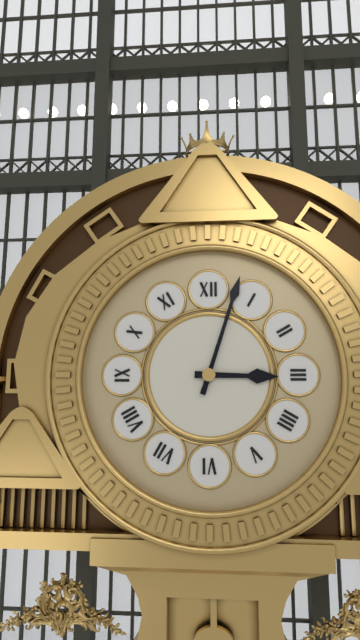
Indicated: 3 h 03 min
